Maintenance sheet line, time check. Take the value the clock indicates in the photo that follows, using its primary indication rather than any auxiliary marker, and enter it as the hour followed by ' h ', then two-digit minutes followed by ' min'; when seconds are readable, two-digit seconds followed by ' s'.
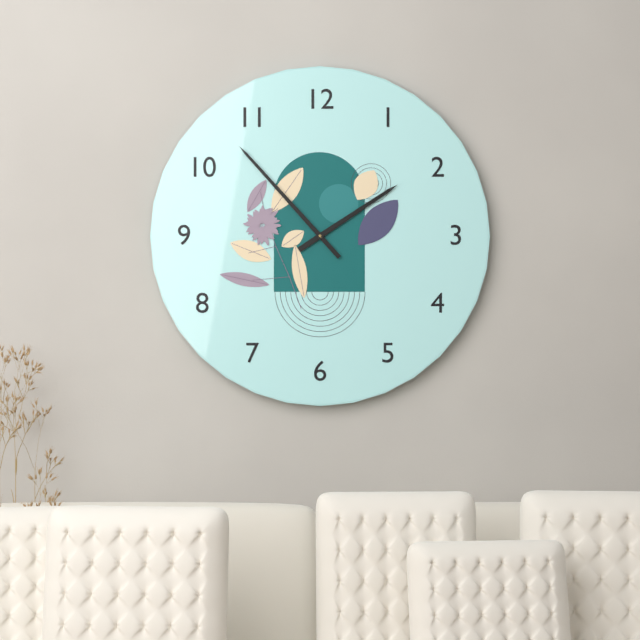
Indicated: 1 h 53 min
